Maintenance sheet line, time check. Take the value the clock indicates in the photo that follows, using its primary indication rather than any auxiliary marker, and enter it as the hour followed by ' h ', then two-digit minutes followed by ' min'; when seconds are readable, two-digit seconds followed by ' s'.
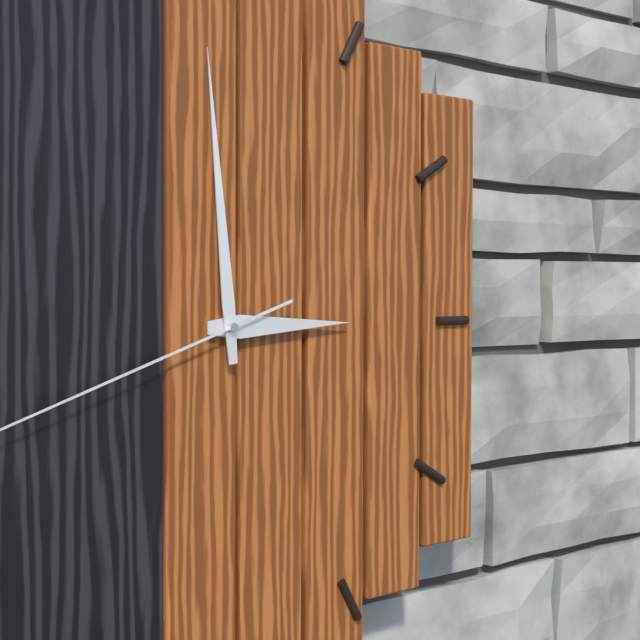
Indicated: 2 h 59 min
